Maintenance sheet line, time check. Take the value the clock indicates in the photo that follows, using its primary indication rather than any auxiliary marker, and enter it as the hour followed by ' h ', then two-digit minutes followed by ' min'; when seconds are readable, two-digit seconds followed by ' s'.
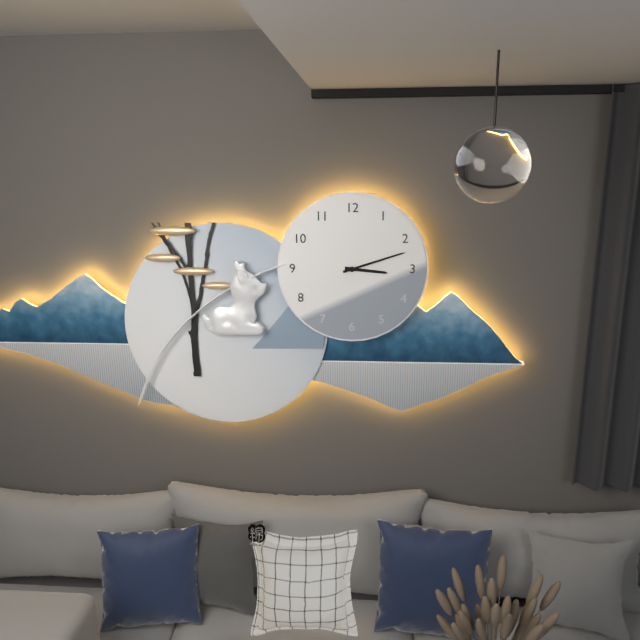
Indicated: 3 h 12 min
